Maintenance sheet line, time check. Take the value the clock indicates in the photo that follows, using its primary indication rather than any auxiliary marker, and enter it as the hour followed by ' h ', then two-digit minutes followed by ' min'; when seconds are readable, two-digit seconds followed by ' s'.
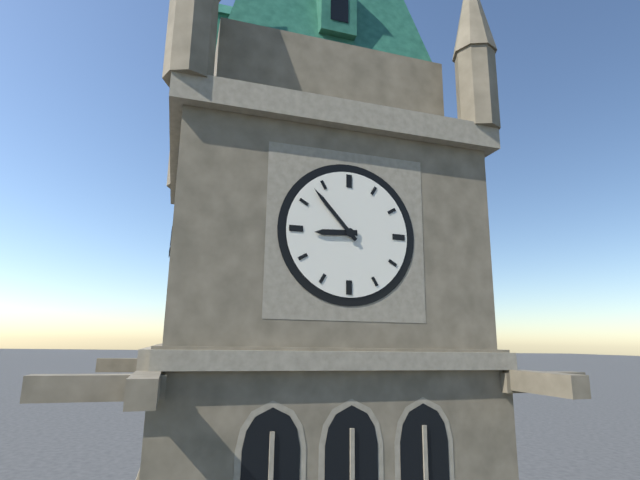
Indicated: 8 h 53 min
